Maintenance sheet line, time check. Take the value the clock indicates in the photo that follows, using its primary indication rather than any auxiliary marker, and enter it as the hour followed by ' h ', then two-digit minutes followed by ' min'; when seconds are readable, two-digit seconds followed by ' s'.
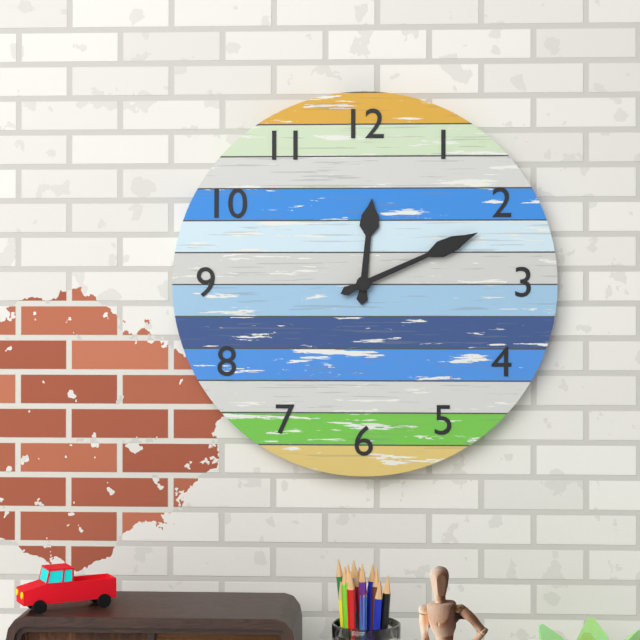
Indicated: 12 h 11 min
